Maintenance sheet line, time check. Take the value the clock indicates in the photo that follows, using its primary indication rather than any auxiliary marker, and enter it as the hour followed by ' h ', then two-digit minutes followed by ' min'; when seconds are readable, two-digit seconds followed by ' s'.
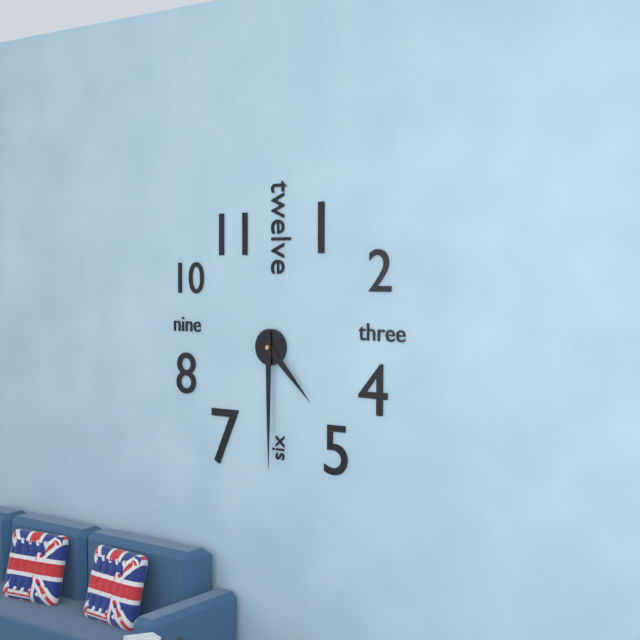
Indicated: 4 h 30 min
